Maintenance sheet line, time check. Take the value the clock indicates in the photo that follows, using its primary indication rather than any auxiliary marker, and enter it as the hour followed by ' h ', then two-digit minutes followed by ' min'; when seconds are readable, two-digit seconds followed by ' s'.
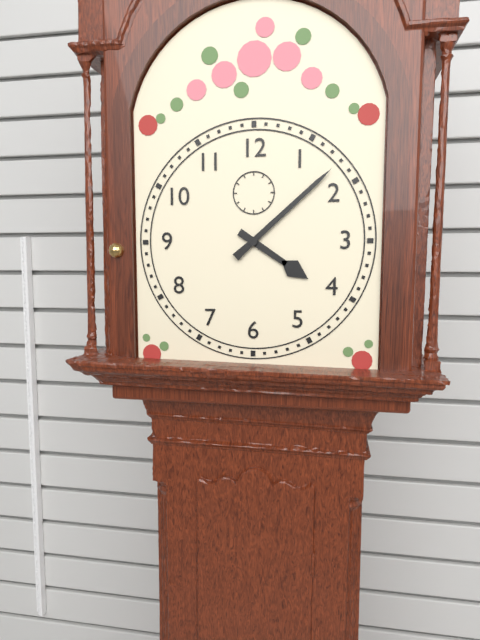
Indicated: 4 h 08 min
